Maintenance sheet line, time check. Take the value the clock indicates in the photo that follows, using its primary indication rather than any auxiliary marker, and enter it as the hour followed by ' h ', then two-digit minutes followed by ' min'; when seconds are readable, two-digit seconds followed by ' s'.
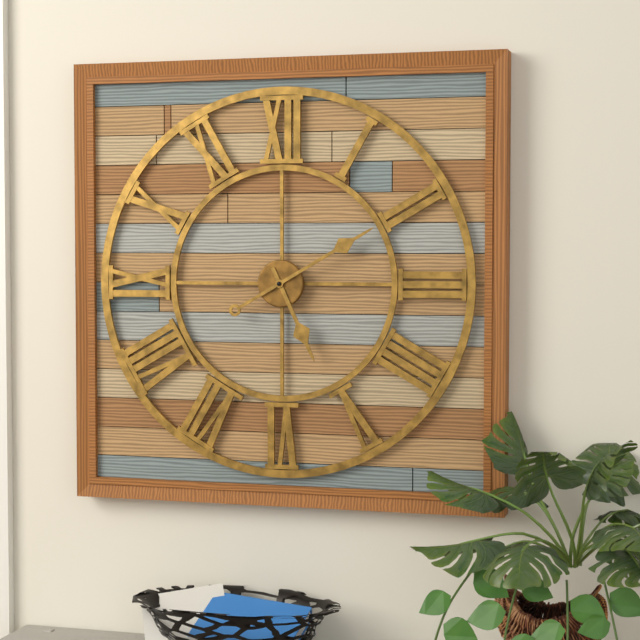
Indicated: 5 h 10 min
